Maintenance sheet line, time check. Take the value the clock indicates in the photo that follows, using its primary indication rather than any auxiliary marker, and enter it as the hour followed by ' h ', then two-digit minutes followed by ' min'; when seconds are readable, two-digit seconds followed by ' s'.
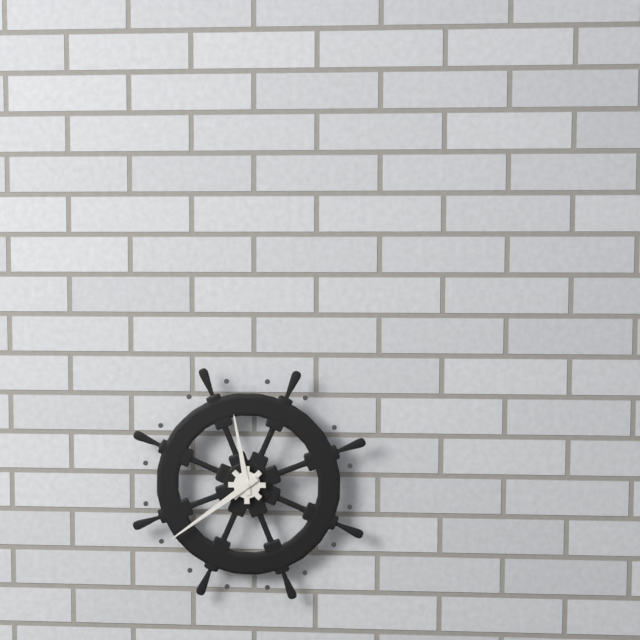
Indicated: 11 h 39 min
